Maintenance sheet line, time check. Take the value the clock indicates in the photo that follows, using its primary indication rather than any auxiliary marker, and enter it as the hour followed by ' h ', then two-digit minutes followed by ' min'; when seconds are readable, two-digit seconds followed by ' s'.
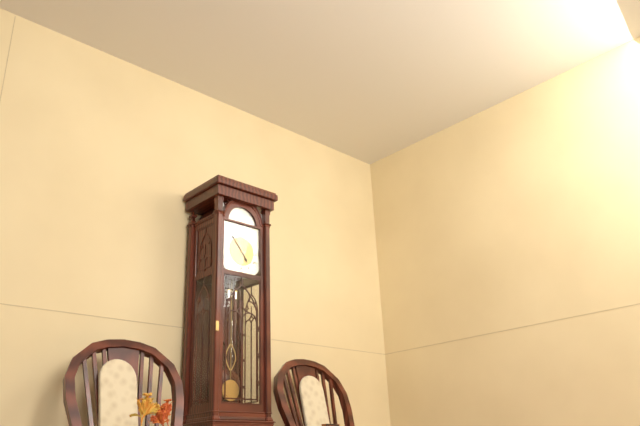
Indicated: 4 h 53 min
